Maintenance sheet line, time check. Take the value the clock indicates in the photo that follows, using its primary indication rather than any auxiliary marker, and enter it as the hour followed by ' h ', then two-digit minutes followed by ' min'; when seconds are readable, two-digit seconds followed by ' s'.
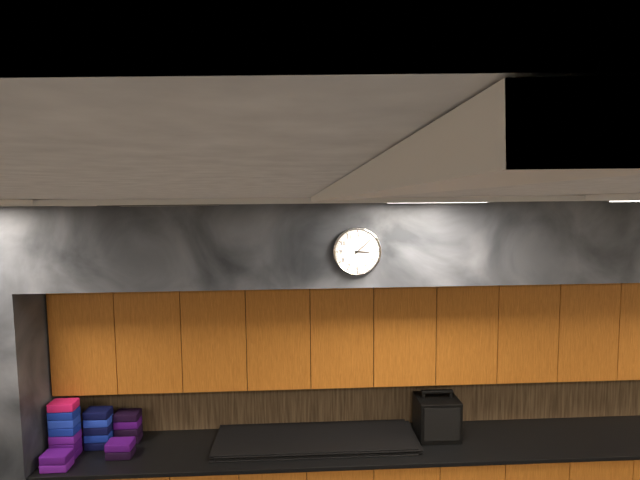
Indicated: 3 h 08 min
